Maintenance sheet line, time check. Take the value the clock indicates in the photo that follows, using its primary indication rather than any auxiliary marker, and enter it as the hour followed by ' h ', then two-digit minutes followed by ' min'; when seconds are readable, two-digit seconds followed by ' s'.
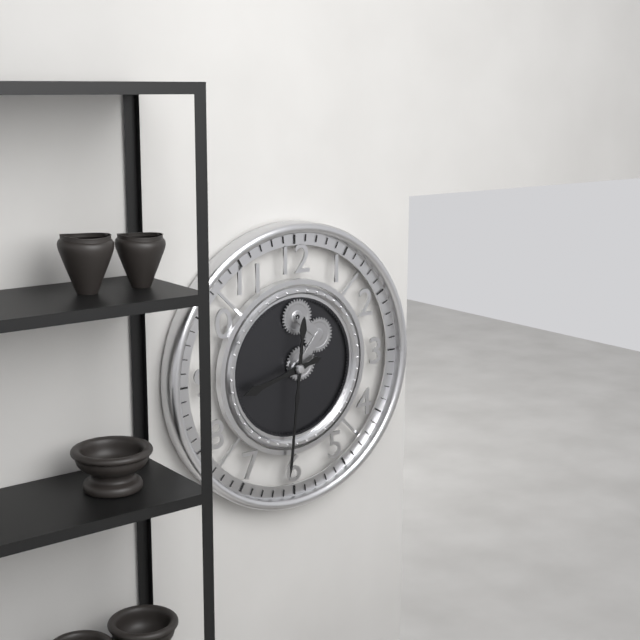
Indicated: 8 h 31 min
